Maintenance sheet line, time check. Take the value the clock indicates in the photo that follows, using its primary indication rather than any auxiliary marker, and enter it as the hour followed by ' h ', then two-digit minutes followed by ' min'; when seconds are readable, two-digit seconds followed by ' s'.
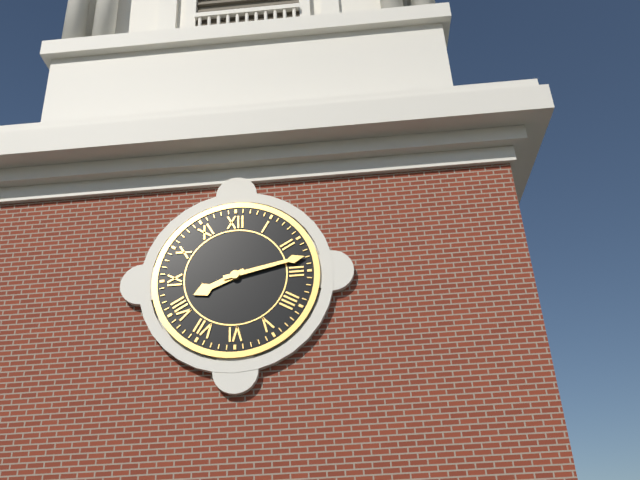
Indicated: 8 h 13 min
